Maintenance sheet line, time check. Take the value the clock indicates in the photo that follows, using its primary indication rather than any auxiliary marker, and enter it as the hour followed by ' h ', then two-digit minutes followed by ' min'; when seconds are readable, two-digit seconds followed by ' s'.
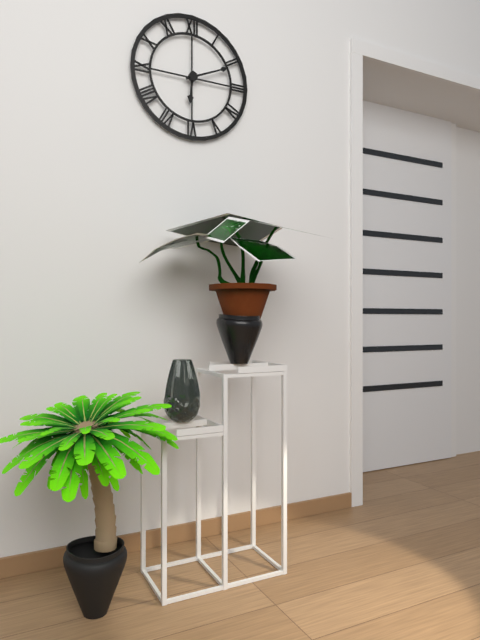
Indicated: 6 h 11 min
